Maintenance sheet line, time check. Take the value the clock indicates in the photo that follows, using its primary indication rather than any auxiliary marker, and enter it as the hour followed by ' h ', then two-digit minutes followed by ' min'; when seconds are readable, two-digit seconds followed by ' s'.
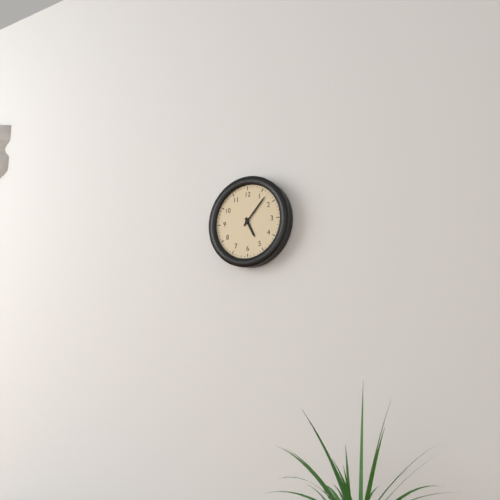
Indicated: 5 h 07 min
